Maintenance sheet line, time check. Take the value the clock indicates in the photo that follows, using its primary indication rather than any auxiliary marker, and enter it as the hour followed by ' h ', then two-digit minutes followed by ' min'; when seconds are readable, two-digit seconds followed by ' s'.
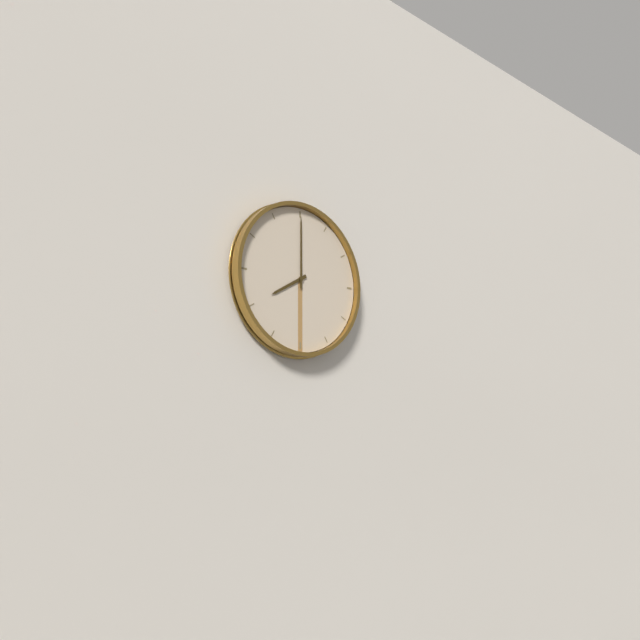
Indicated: 8 h 00 min
